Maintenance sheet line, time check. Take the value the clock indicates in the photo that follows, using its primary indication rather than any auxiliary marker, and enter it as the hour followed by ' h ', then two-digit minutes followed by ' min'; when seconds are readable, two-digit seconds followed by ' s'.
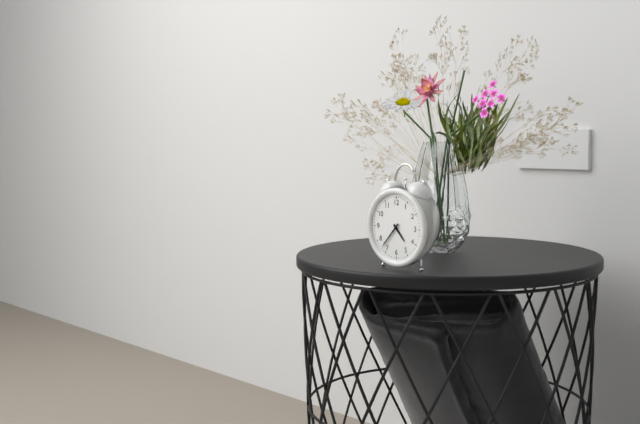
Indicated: 4 h 37 min
